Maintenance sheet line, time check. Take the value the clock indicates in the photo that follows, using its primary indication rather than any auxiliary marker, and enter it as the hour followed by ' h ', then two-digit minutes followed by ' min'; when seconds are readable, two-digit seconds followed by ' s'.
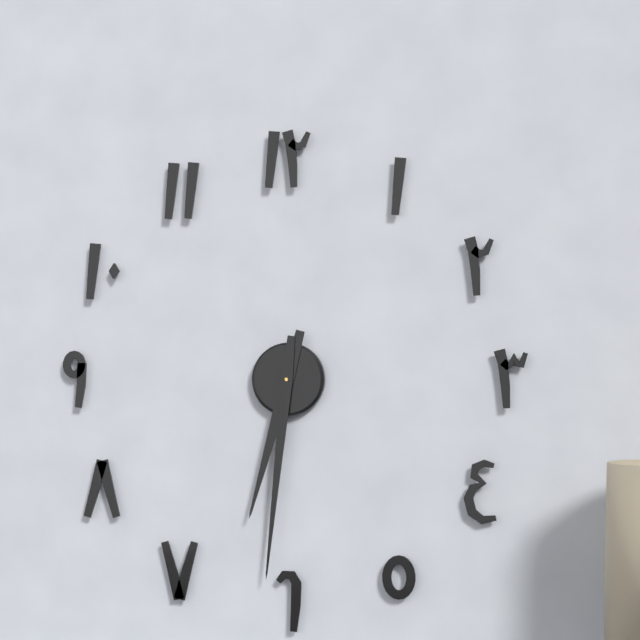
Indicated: 6 h 31 min
